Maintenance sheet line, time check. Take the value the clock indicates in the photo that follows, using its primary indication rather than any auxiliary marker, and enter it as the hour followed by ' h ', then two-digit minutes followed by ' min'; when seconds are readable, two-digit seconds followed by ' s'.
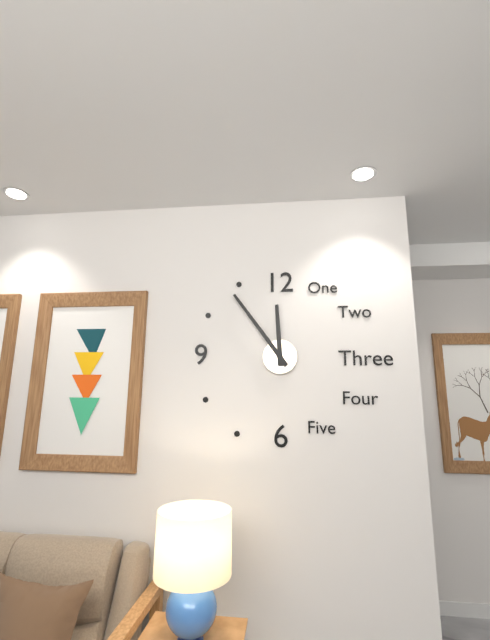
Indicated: 11 h 54 min
